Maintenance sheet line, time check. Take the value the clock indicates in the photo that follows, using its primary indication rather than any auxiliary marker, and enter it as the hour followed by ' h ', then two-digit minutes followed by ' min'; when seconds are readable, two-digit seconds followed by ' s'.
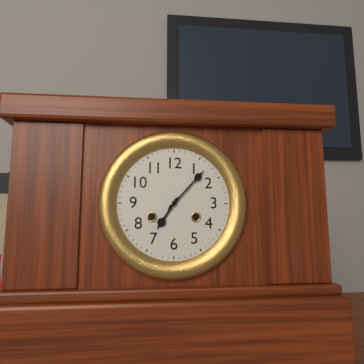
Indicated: 7 h 07 min
